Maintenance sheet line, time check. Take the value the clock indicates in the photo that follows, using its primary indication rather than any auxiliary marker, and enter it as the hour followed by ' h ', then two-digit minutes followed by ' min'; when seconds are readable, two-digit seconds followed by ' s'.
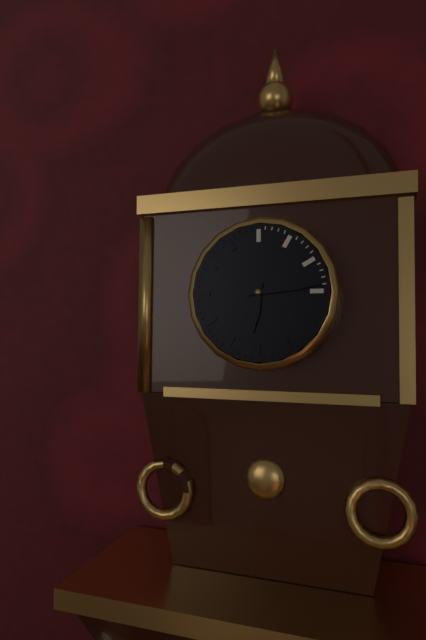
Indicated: 6 h 14 min
